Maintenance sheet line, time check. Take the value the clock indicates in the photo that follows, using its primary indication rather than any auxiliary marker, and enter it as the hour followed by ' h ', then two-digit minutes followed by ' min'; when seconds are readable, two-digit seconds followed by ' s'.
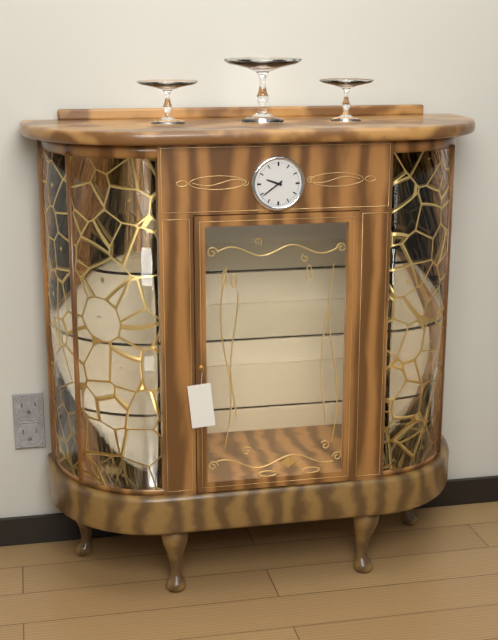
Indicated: 9 h 39 min
